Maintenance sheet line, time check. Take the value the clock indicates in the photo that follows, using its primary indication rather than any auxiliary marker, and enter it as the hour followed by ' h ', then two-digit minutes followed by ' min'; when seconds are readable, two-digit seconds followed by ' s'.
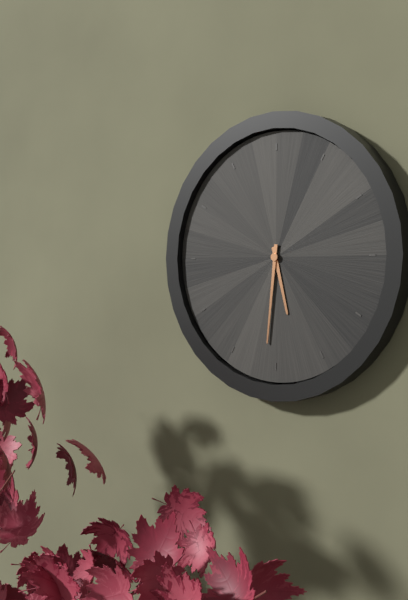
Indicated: 5 h 31 min
